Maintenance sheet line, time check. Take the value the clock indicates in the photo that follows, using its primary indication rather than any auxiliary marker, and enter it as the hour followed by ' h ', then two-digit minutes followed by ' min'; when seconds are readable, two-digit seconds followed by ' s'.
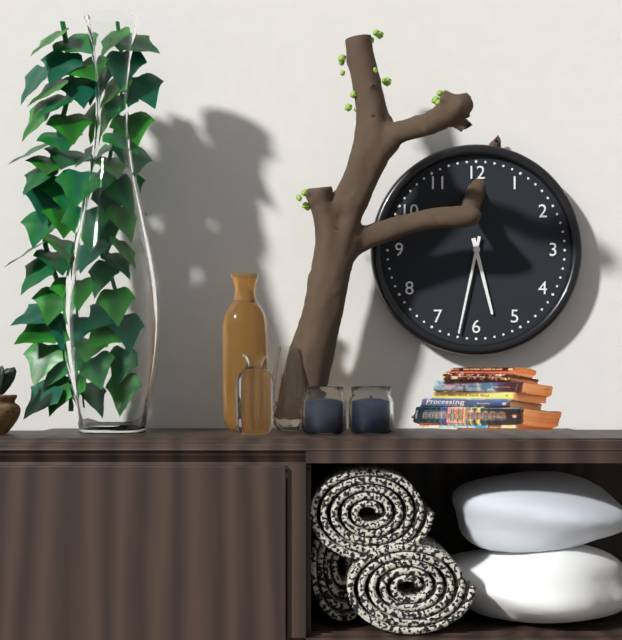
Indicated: 5 h 32 min
